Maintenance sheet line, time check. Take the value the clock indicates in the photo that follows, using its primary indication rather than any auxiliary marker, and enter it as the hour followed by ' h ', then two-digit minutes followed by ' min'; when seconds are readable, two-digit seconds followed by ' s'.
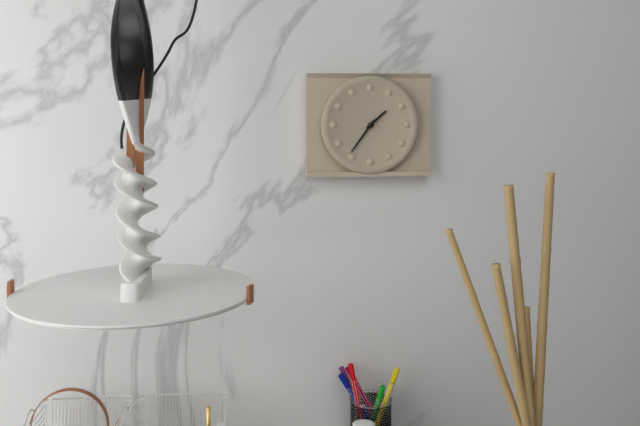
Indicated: 1 h 36 min
